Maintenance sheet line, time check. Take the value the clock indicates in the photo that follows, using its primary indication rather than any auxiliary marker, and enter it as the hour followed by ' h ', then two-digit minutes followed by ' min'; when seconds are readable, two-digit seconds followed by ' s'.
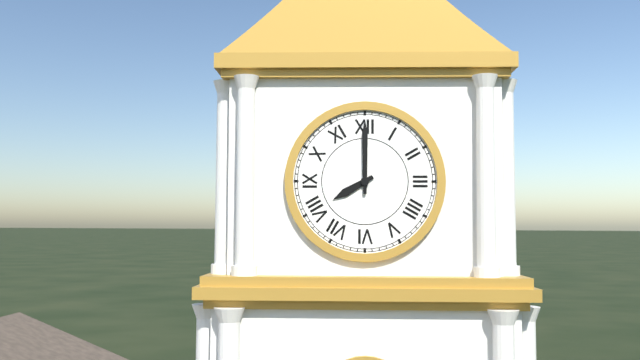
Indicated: 8 h 00 min
